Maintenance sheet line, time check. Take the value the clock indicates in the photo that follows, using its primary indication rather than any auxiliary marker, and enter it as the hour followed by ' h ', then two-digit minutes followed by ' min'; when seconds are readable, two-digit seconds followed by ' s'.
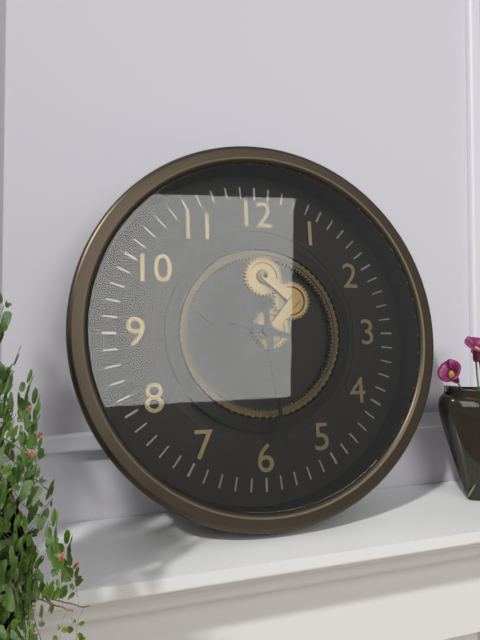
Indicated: 9 h 29 min
